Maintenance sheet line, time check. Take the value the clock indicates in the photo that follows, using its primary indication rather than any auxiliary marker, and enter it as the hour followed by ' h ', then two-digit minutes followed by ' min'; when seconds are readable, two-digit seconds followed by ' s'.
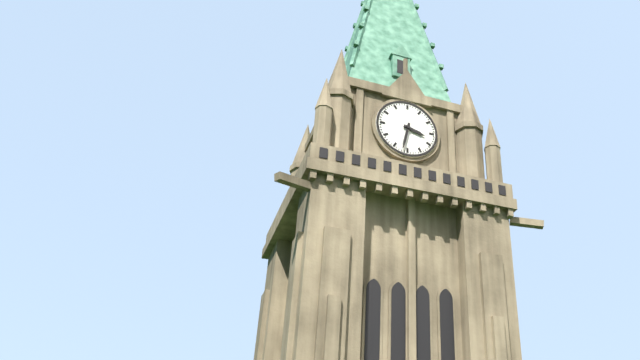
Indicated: 3 h 32 min
